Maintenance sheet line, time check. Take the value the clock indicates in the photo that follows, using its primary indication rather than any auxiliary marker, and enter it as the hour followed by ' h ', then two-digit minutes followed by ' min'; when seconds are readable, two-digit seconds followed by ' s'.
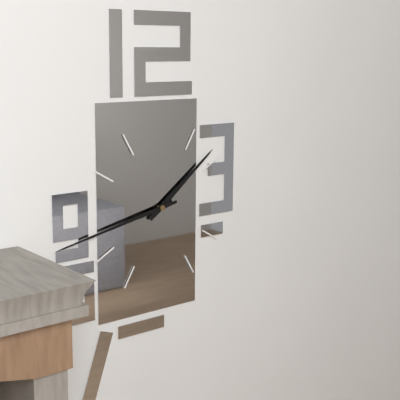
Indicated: 1 h 43 min
